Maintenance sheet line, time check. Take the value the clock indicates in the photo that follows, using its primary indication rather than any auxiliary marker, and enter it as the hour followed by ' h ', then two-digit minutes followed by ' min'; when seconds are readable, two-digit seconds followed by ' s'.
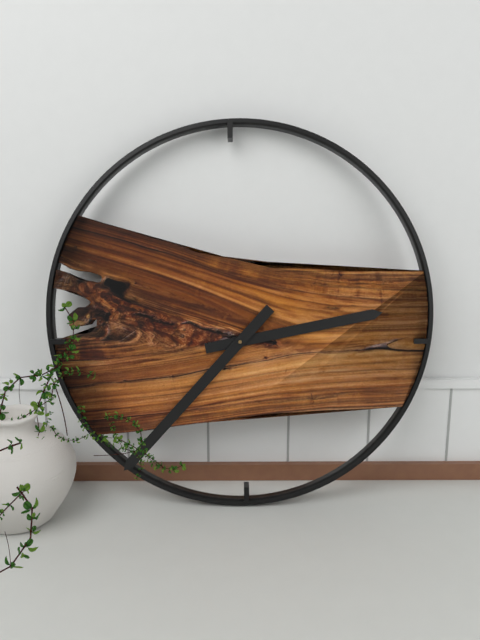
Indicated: 2 h 37 min
